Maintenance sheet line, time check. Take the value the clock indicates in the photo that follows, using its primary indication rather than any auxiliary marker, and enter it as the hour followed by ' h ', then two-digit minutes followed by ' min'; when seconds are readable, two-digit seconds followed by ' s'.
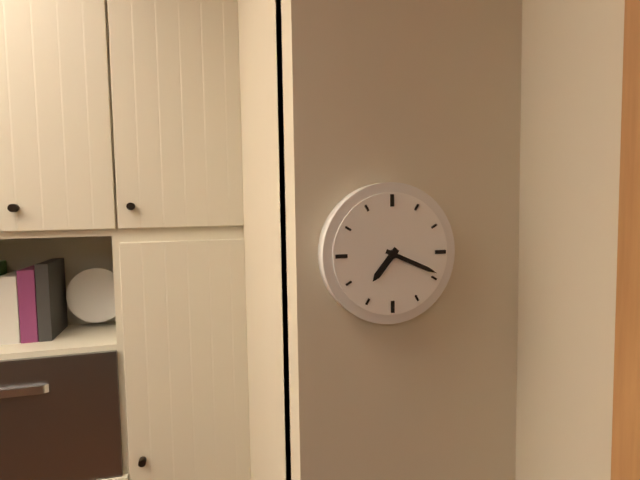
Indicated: 7 h 19 min
